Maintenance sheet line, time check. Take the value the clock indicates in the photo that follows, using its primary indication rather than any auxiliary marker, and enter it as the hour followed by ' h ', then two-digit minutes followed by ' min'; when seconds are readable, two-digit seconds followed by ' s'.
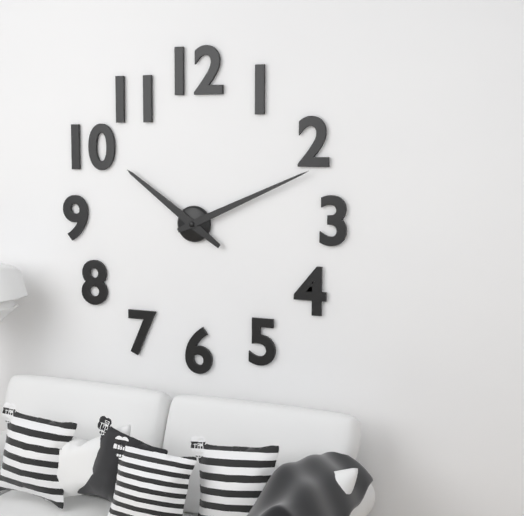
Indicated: 10 h 11 min
